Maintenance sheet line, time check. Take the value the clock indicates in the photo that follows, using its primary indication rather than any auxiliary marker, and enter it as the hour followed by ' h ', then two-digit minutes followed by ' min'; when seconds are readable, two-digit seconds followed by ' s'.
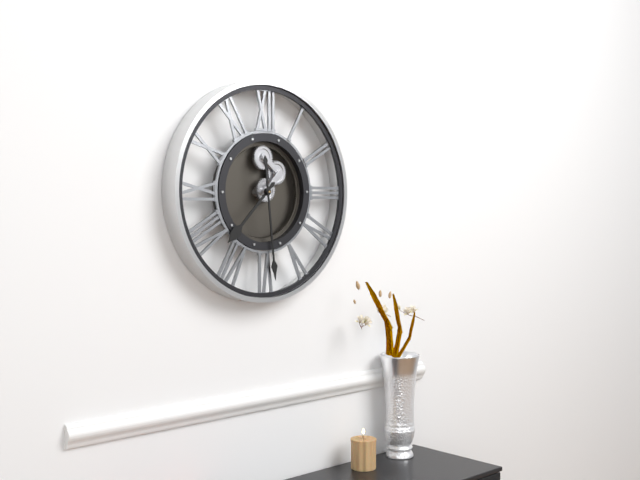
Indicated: 7 h 29 min
